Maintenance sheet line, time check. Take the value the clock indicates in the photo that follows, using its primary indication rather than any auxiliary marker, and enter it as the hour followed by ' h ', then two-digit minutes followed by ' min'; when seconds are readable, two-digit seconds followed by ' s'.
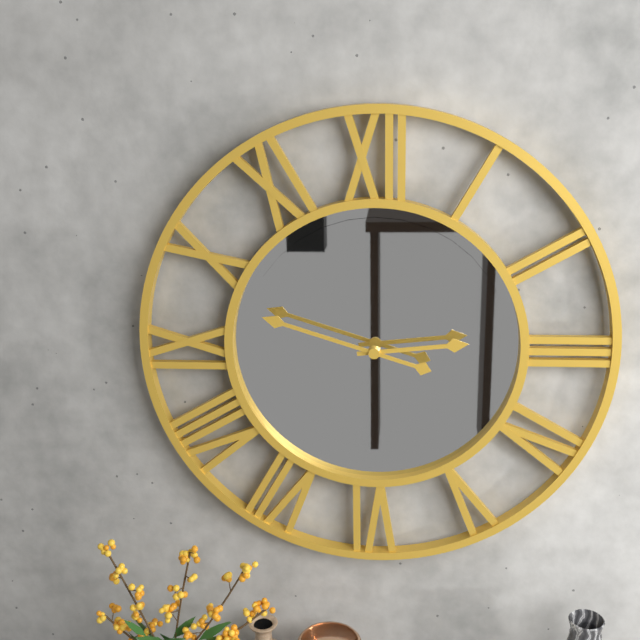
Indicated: 2 h 48 min
